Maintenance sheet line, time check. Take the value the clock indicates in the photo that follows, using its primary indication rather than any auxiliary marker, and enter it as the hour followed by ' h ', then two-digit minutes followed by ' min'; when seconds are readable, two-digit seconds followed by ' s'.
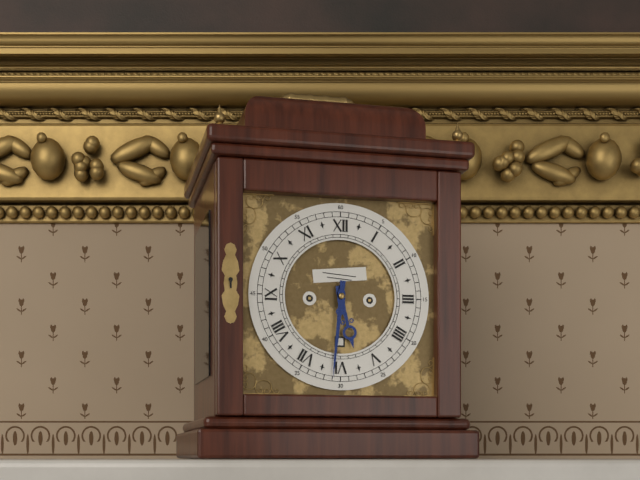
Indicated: 5 h 31 min
